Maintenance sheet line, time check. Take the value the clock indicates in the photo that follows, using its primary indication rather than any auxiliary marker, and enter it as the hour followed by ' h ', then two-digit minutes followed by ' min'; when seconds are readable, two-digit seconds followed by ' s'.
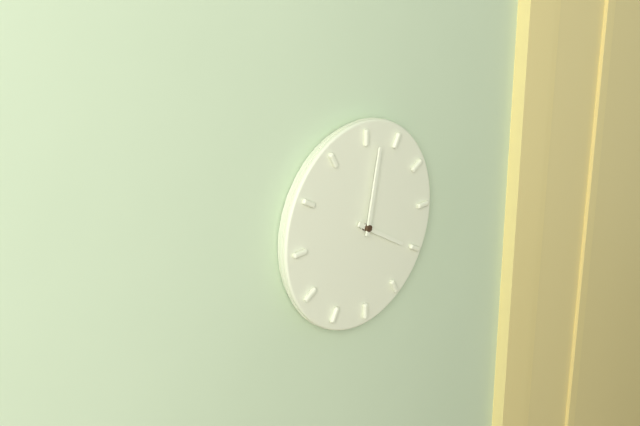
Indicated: 4 h 02 min
